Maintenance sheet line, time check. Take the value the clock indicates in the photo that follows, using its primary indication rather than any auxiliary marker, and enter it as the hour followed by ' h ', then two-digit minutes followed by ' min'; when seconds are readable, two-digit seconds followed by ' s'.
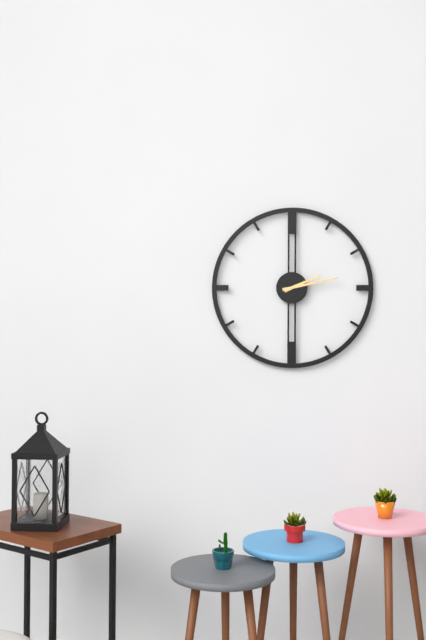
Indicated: 2 h 13 min
